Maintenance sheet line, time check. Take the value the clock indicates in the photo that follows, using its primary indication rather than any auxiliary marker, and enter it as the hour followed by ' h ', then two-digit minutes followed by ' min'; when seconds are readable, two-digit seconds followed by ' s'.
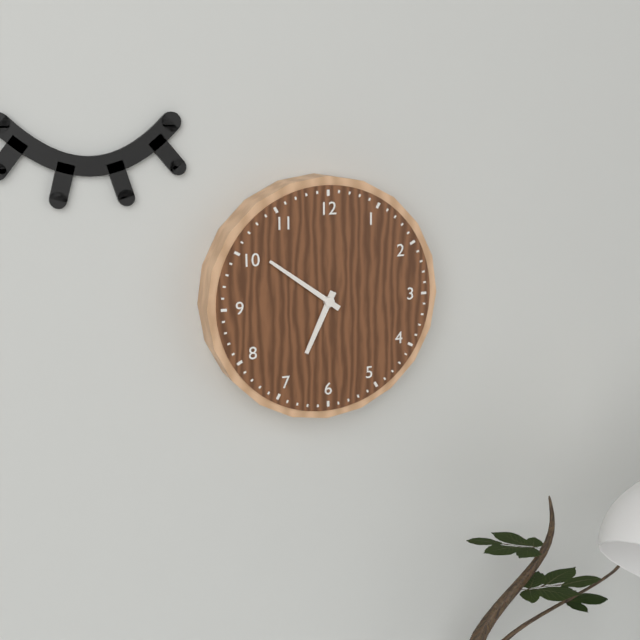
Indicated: 6 h 51 min
